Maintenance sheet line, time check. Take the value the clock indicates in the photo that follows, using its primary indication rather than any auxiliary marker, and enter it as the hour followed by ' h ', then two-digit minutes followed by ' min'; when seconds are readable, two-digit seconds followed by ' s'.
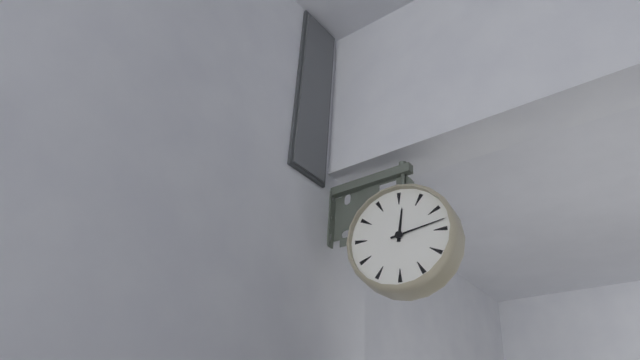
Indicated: 12 h 13 min
